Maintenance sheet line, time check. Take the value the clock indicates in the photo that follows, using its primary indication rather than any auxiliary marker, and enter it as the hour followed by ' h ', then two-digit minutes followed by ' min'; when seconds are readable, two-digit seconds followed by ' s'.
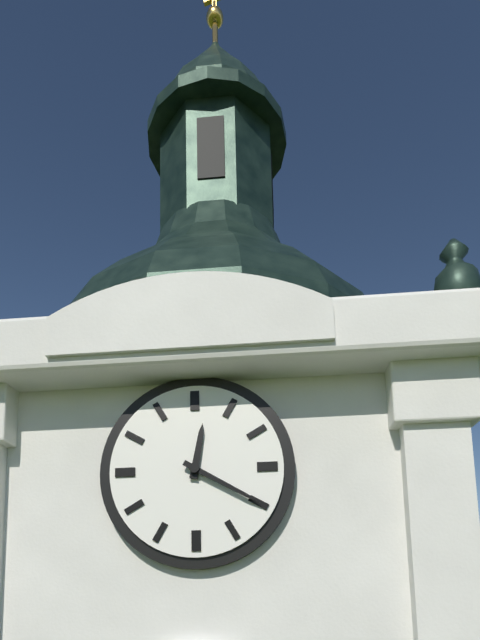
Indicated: 12 h 20 min
